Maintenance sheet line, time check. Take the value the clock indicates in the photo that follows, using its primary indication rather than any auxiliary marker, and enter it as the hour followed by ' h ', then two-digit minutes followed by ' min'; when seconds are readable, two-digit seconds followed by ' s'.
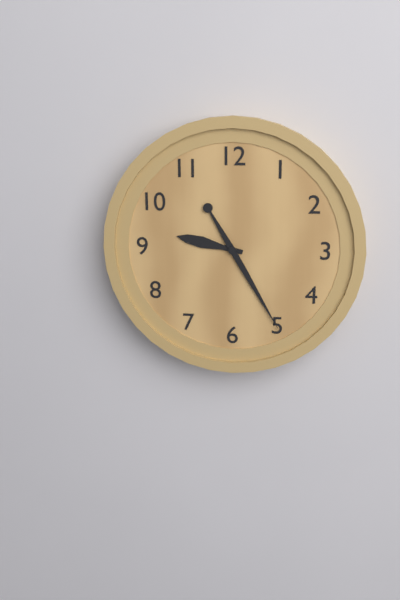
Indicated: 9 h 25 min
